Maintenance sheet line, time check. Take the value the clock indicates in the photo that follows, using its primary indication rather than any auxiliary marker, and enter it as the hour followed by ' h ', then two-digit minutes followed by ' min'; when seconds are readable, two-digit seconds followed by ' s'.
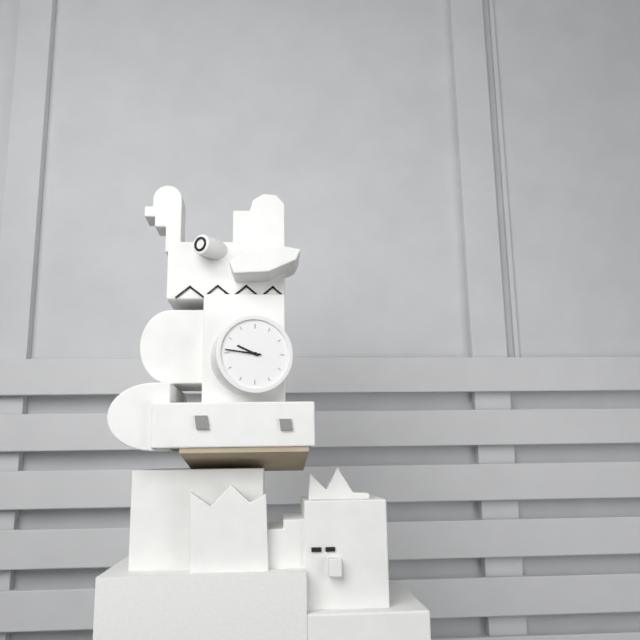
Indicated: 9 h 46 min
